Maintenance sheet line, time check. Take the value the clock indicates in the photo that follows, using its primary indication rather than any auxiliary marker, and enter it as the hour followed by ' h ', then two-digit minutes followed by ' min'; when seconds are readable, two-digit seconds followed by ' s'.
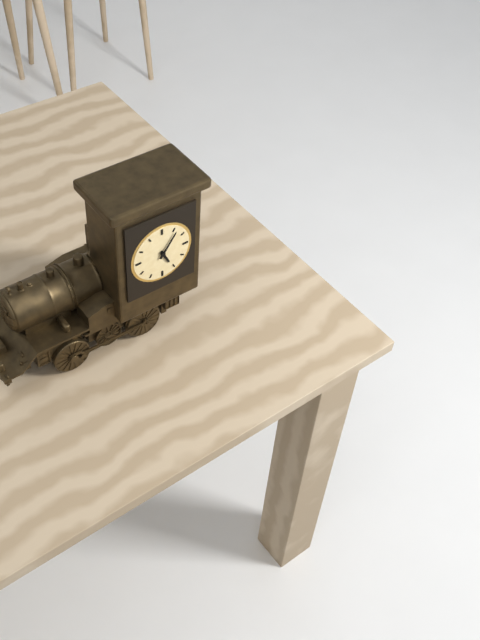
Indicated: 5 h 06 min
